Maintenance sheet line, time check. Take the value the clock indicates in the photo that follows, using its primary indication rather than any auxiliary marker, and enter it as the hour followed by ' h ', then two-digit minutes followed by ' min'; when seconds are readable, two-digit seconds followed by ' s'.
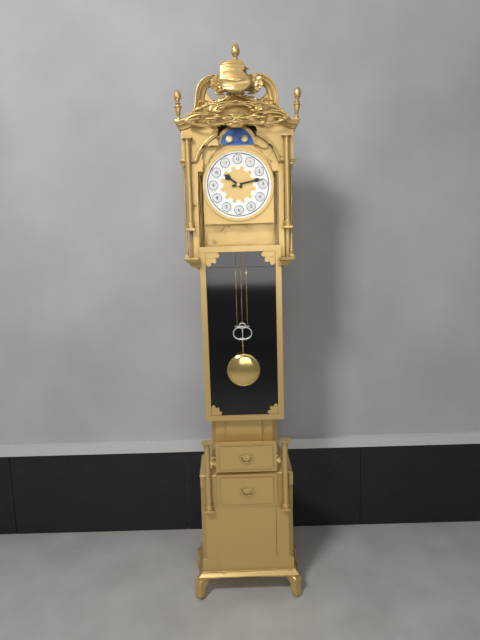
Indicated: 10 h 13 min
